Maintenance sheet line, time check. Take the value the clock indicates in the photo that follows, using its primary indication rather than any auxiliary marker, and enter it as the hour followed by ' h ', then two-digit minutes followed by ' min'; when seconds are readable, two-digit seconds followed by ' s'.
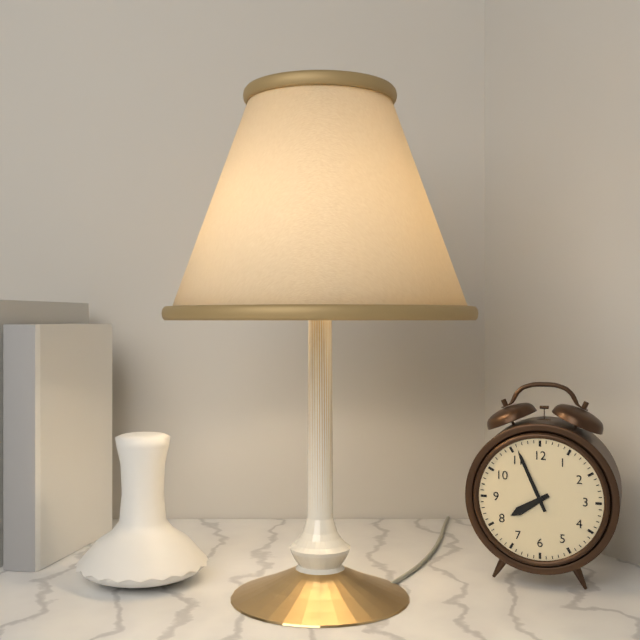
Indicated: 7 h 56 min
